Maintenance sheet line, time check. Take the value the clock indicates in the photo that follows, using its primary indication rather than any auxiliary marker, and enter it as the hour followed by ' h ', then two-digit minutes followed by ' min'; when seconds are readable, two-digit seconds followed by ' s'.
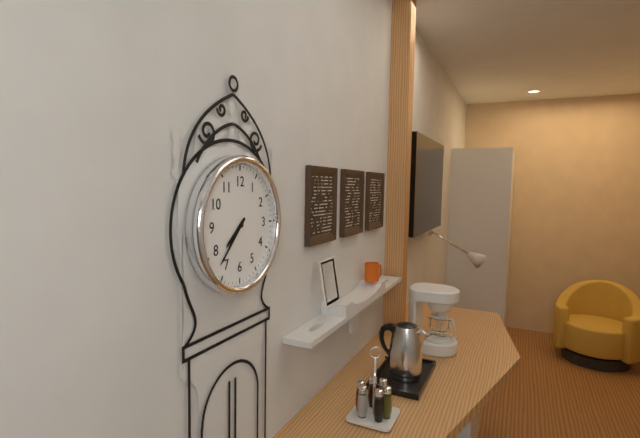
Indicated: 7 h 37 min
